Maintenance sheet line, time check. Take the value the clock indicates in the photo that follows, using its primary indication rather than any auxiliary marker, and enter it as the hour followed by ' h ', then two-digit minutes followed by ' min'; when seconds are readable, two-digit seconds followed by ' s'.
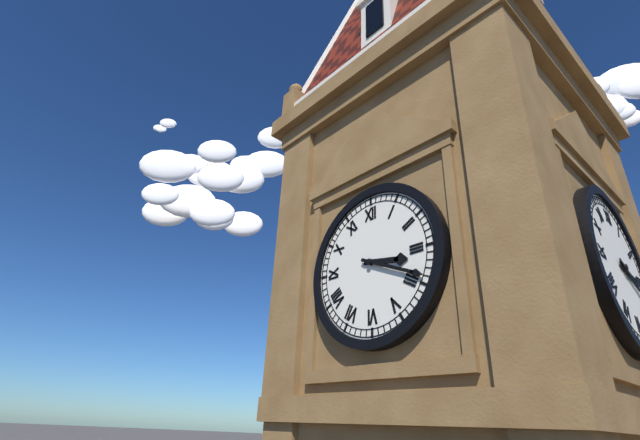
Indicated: 3 h 19 min
